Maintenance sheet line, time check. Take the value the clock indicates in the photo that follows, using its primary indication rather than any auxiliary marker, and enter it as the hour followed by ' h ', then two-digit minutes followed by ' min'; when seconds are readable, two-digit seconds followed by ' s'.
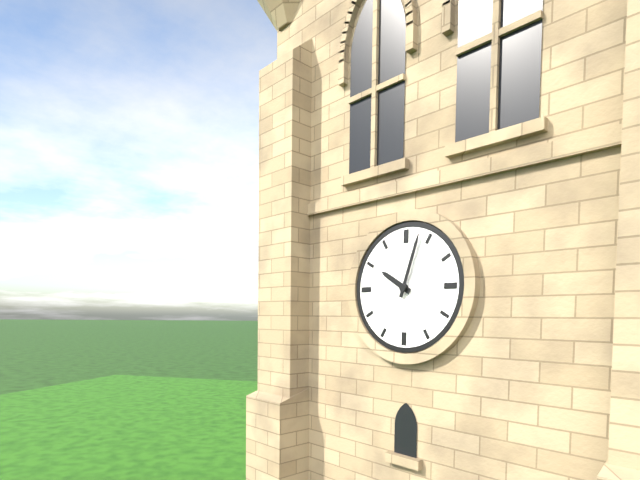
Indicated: 10 h 03 min
